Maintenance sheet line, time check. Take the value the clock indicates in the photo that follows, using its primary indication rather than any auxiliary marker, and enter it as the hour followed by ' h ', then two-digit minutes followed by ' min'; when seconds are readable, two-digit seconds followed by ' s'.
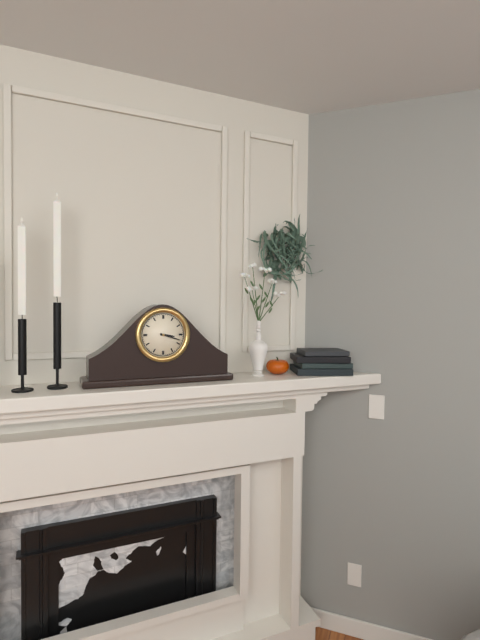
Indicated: 3 h 18 min
